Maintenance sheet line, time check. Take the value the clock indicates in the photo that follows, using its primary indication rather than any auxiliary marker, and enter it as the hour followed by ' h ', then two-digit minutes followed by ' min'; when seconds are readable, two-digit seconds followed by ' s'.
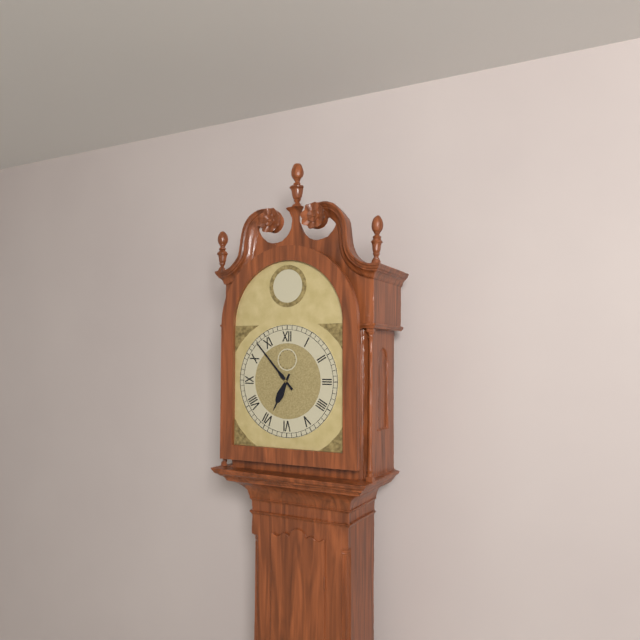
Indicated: 6 h 53 min
